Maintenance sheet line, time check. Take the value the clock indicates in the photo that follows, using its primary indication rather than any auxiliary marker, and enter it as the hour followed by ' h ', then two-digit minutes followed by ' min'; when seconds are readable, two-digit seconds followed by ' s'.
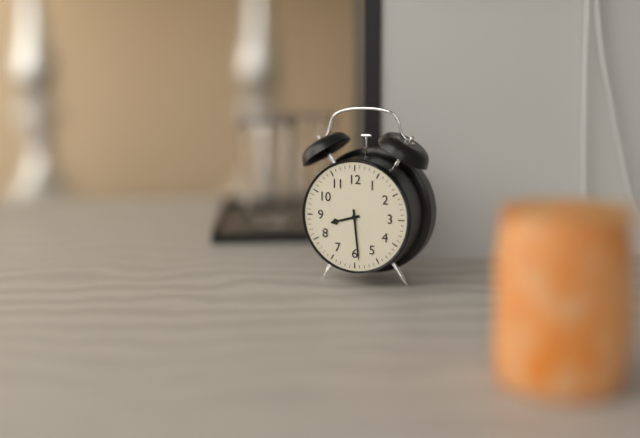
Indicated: 8 h 29 min
